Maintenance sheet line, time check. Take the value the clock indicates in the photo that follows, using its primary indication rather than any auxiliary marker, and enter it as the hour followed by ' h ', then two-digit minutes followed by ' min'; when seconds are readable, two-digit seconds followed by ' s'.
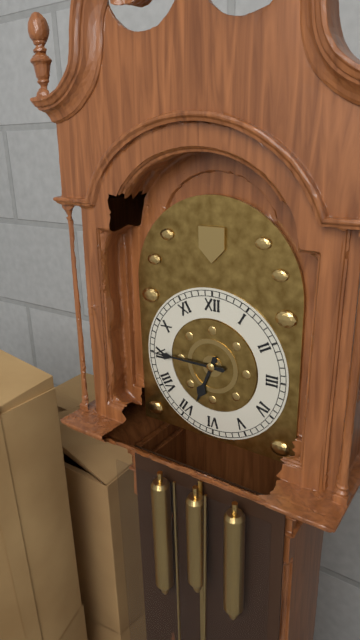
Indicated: 6 h 45 min
